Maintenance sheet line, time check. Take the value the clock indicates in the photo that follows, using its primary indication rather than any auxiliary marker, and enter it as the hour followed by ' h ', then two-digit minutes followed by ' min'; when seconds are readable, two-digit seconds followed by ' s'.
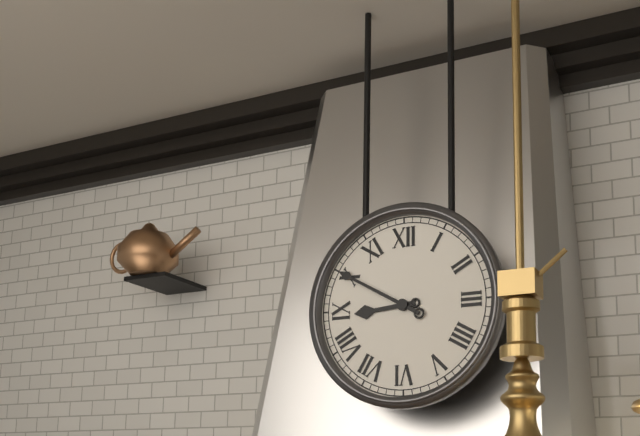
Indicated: 8 h 50 min
